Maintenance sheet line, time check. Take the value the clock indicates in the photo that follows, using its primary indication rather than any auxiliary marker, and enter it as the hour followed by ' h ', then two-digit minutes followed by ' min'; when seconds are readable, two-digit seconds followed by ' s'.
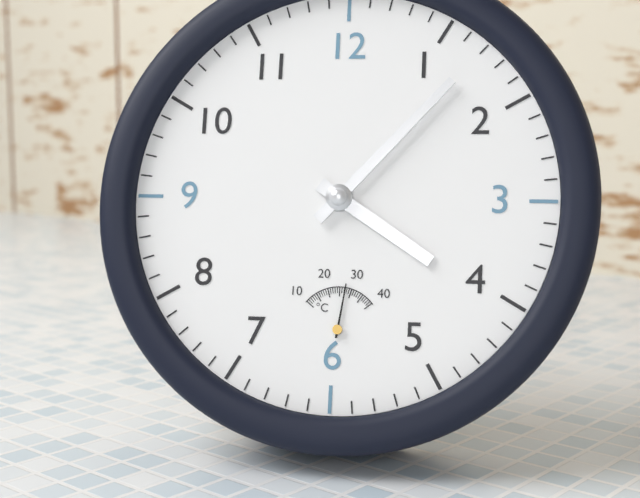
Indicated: 4 h 07 min
